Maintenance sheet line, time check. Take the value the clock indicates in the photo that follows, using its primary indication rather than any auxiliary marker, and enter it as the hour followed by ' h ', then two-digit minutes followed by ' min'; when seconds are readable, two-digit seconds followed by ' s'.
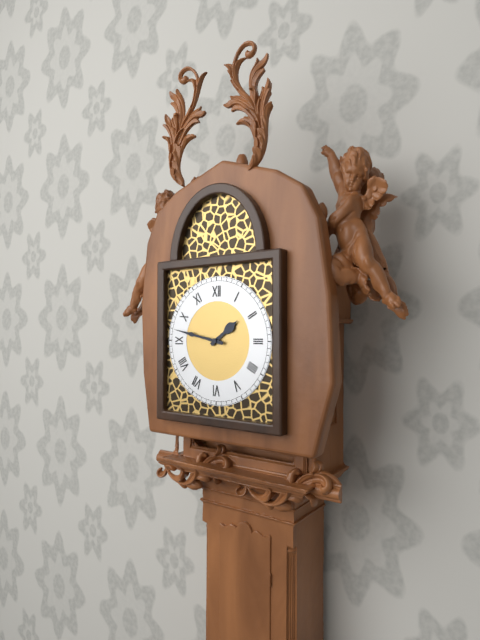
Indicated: 1 h 47 min
